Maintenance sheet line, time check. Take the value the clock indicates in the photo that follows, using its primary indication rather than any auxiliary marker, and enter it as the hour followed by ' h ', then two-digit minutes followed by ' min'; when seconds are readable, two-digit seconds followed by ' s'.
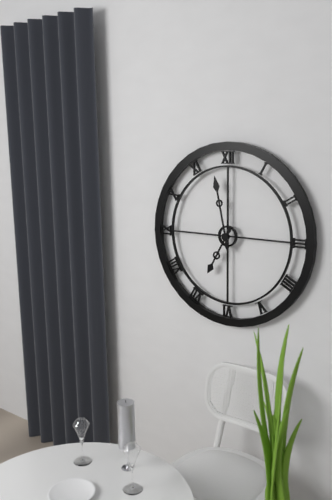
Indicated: 6 h 58 min
